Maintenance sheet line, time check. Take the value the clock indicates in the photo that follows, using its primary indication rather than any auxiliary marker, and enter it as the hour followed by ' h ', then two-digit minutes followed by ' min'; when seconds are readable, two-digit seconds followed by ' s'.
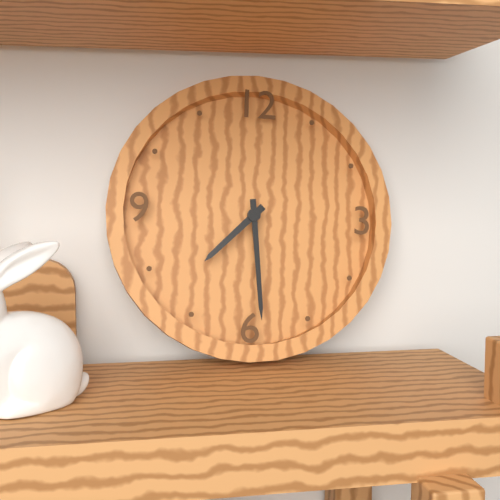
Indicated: 7 h 29 min
